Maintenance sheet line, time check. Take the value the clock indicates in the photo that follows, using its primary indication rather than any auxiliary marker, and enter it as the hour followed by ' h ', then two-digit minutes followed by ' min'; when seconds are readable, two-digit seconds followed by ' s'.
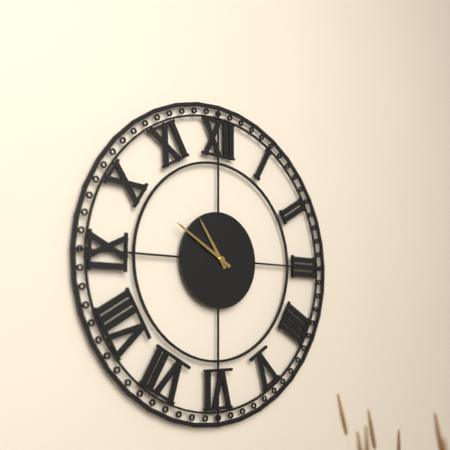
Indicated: 10 h 50 min
